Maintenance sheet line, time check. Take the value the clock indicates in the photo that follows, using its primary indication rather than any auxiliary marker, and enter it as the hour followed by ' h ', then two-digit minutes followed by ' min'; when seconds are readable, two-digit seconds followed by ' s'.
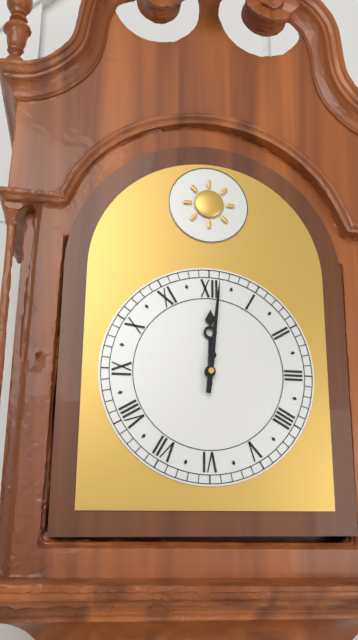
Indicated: 12 h 01 min
